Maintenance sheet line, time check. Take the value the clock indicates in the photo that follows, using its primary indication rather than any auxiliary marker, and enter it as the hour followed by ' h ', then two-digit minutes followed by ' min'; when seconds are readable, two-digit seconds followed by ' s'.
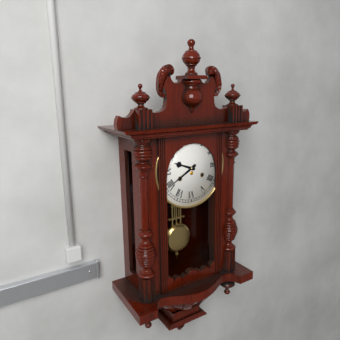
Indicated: 9 h 40 min
